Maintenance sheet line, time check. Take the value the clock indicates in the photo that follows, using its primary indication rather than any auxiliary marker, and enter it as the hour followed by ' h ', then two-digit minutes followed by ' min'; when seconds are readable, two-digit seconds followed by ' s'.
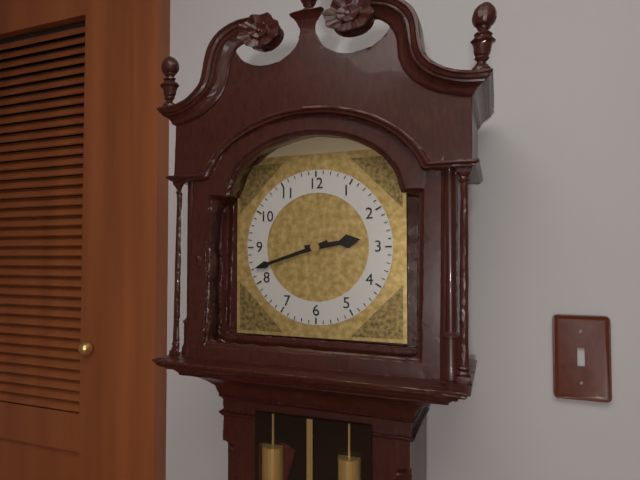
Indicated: 2 h 42 min
